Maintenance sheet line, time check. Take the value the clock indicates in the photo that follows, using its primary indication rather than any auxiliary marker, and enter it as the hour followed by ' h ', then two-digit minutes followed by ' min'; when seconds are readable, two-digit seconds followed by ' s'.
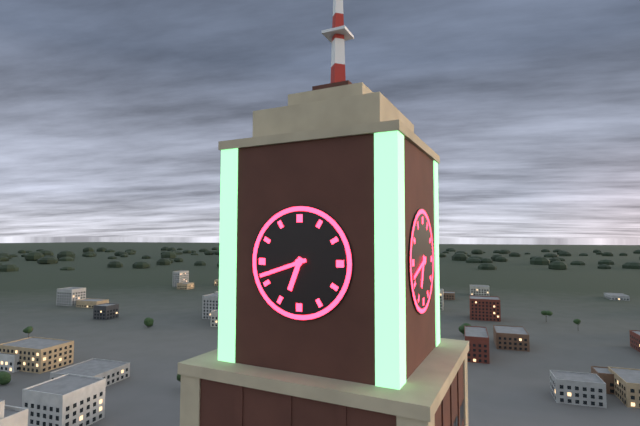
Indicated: 6 h 42 min
